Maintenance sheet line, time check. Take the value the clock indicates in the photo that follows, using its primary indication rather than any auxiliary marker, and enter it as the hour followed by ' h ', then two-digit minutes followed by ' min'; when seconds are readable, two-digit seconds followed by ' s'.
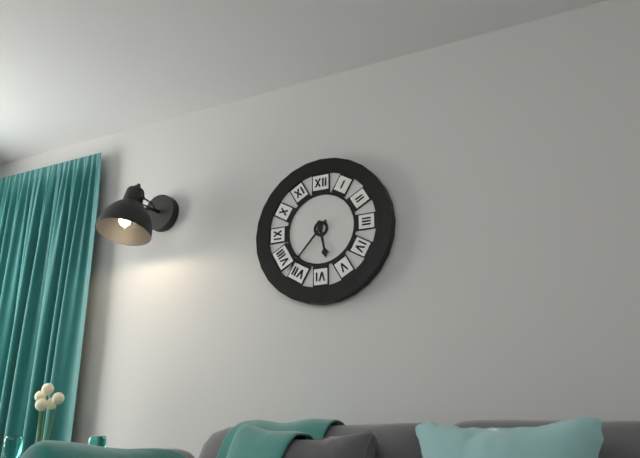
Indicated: 5 h 37 min
